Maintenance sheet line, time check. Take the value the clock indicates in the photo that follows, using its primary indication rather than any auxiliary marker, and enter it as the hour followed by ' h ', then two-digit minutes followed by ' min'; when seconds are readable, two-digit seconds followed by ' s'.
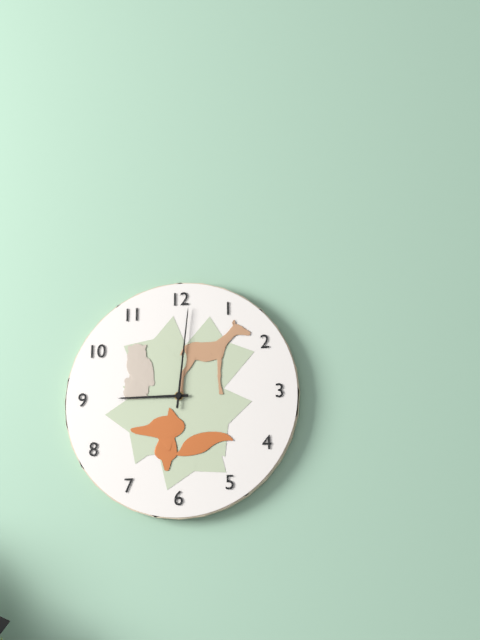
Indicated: 9 h 01 min
